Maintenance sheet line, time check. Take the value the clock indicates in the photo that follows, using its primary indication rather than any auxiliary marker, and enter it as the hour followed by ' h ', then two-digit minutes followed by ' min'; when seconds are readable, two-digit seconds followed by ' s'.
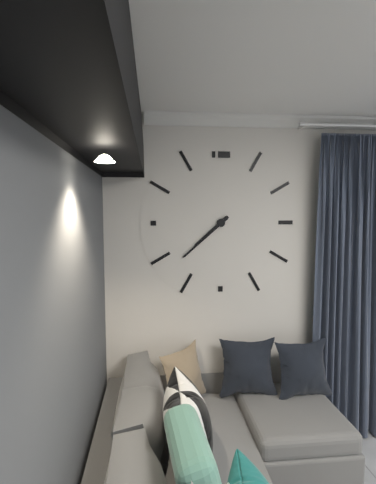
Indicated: 7 h 38 min
